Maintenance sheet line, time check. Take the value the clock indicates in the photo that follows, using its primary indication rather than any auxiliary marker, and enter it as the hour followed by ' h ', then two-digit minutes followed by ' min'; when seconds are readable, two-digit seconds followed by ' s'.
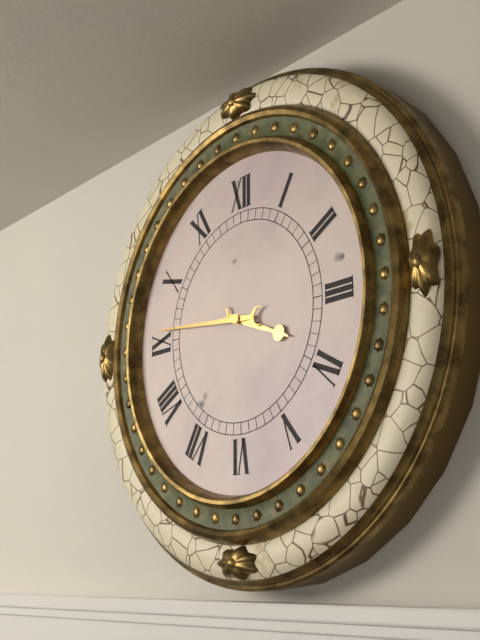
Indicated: 3 h 46 min
